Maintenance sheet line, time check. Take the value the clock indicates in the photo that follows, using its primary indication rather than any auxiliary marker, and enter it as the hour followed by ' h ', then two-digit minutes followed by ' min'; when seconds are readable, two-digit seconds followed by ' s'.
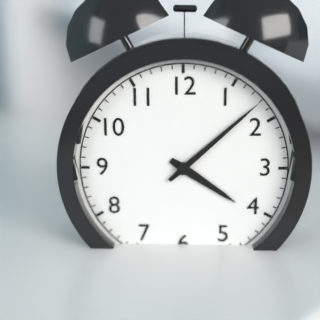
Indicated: 4 h 08 min
